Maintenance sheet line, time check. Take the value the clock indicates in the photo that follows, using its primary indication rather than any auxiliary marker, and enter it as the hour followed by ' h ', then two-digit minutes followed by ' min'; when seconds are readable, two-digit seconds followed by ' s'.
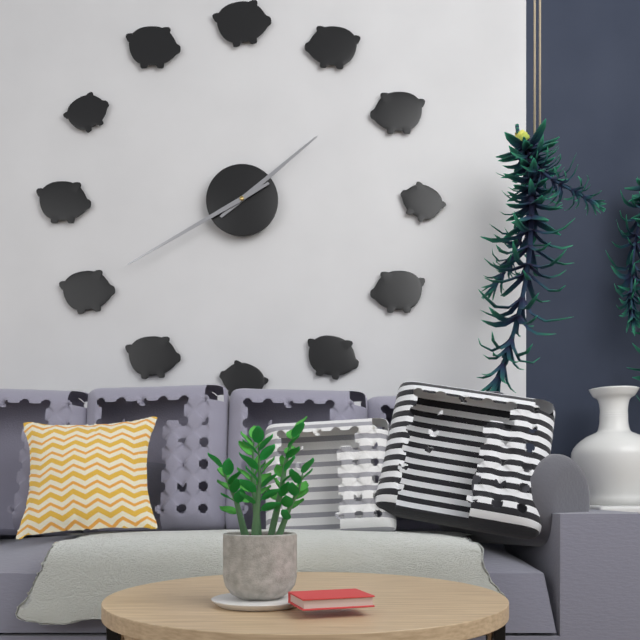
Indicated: 1 h 40 min
